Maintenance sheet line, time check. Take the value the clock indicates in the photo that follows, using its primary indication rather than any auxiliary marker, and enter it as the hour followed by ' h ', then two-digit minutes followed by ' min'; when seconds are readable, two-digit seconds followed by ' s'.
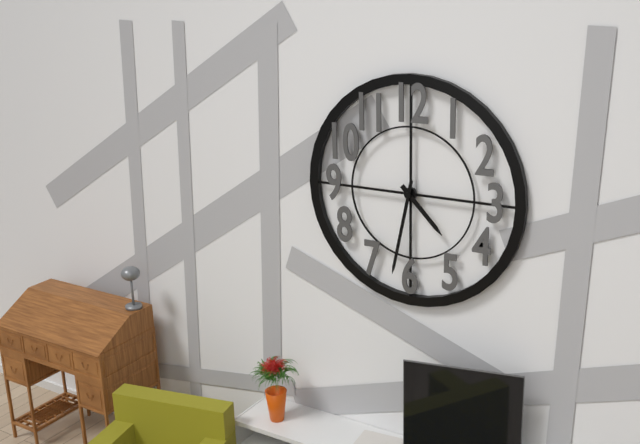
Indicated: 4 h 32 min
